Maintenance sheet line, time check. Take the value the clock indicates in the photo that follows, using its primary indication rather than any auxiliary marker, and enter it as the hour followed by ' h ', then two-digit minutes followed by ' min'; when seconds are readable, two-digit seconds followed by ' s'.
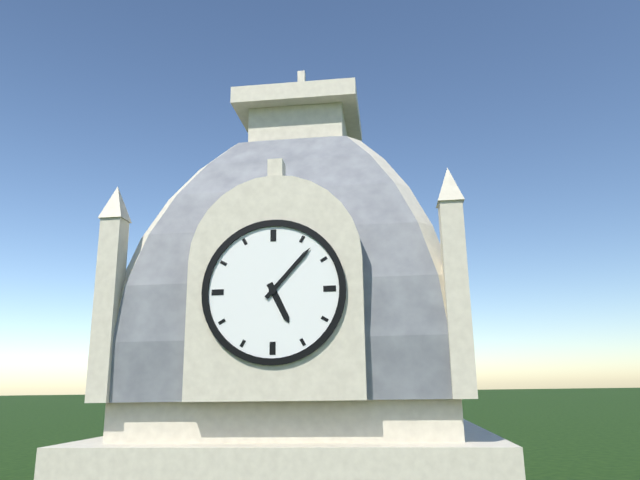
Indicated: 5 h 07 min
